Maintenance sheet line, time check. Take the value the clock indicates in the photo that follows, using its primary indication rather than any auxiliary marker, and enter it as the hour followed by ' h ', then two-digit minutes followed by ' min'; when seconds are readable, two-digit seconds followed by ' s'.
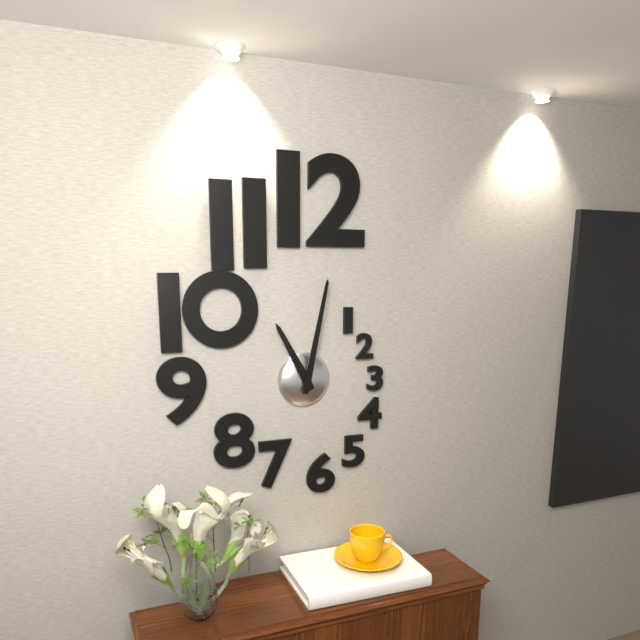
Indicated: 11 h 02 min
